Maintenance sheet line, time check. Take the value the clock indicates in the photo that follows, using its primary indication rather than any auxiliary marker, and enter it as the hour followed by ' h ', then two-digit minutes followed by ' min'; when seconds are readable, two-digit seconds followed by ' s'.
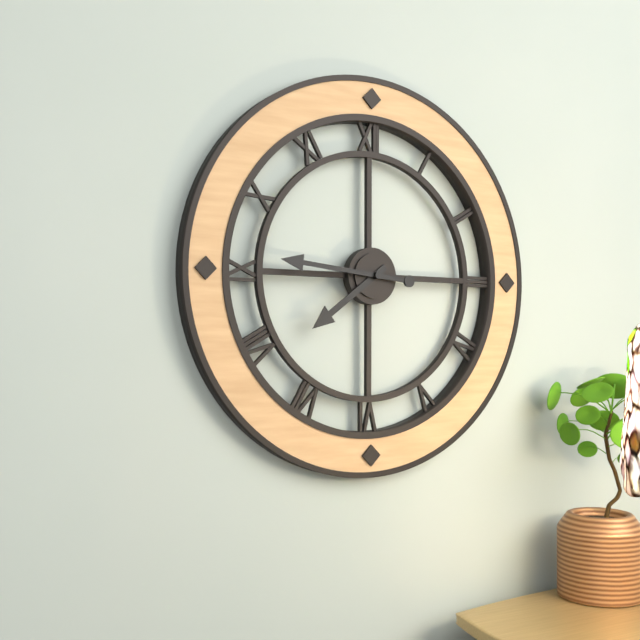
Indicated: 7 h 46 min
